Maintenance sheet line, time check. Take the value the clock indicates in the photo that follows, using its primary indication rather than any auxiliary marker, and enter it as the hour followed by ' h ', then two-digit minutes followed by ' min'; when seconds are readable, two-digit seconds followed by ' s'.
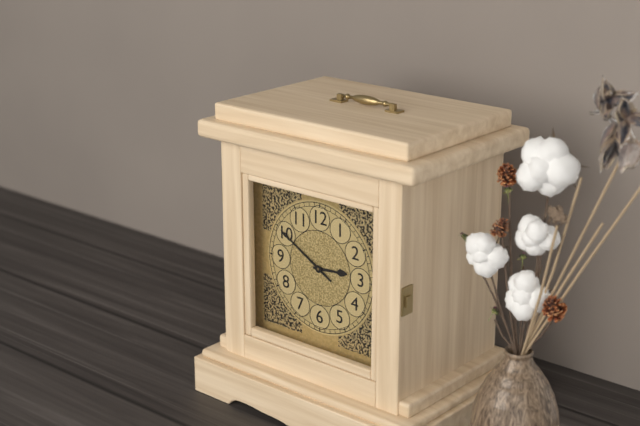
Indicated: 2 h 50 min
